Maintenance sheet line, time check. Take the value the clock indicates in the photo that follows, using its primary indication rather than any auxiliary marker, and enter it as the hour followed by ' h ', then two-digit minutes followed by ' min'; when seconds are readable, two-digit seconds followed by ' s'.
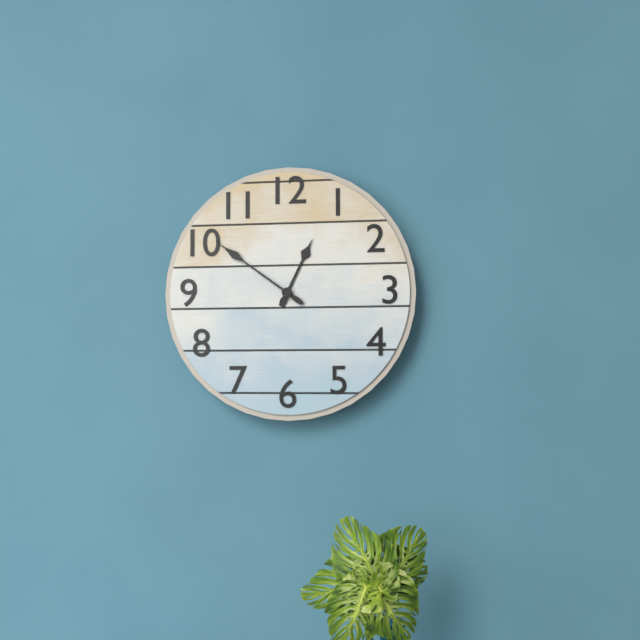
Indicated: 12 h 51 min
